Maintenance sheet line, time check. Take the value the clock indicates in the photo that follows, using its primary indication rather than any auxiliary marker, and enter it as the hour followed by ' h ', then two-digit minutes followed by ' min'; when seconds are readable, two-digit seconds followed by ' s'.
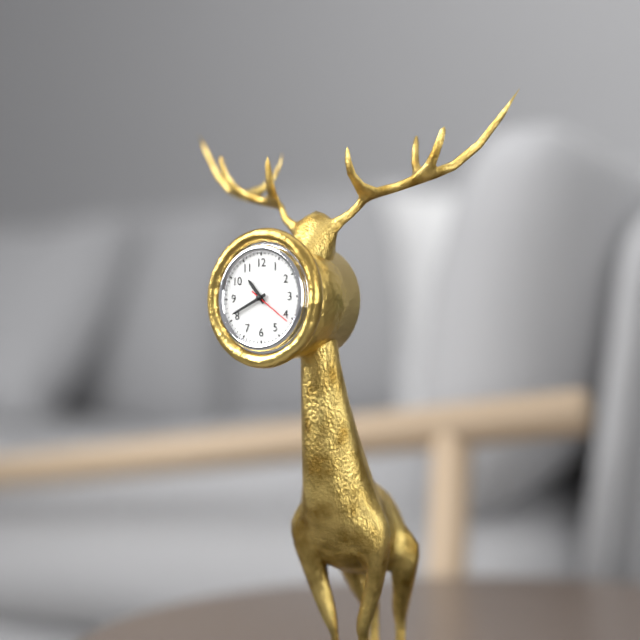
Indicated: 10 h 41 min
